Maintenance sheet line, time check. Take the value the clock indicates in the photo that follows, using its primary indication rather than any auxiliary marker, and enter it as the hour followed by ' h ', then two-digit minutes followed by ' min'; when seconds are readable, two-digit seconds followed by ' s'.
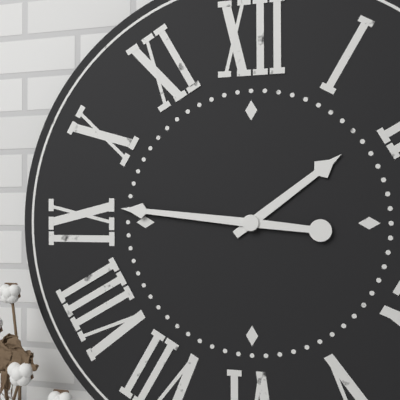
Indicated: 1 h 46 min
